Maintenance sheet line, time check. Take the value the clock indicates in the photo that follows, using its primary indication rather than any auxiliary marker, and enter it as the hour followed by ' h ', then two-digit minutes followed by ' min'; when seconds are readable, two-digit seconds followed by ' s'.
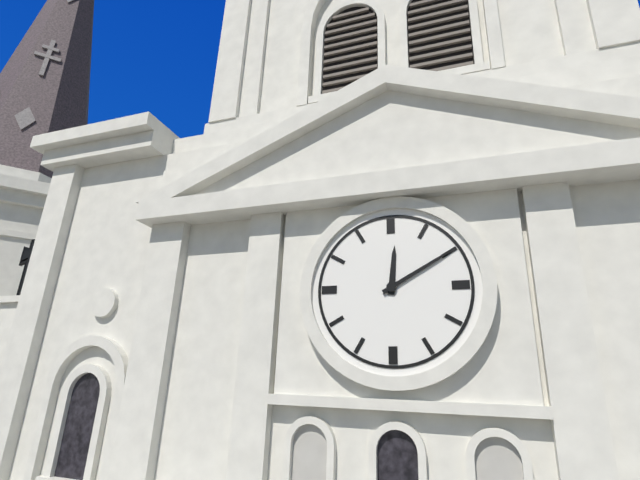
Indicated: 12 h 10 min
